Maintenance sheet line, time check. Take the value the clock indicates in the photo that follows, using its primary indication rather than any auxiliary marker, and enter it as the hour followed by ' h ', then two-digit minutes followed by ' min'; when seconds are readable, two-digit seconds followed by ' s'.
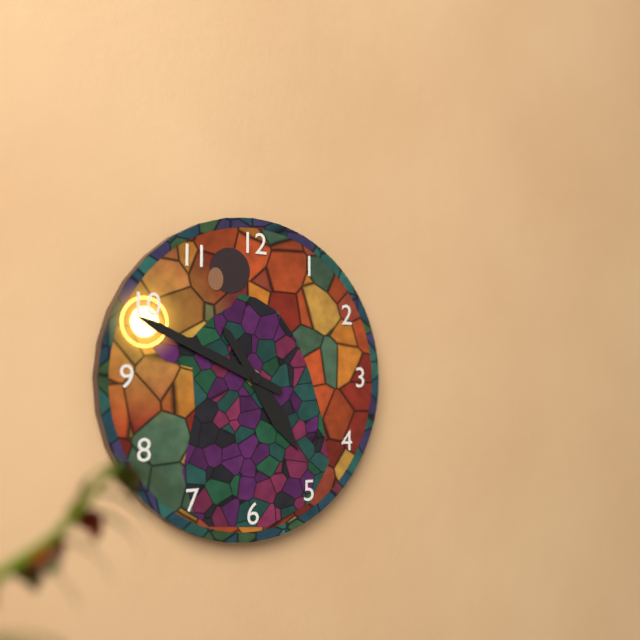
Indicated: 4 h 49 min
